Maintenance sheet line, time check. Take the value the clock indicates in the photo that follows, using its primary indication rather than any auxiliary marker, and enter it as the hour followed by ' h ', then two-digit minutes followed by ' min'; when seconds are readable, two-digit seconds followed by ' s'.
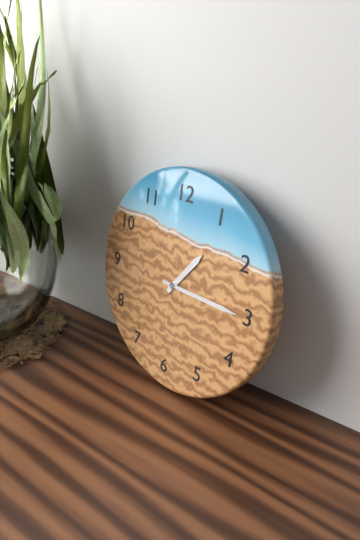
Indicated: 1 h 15 min
